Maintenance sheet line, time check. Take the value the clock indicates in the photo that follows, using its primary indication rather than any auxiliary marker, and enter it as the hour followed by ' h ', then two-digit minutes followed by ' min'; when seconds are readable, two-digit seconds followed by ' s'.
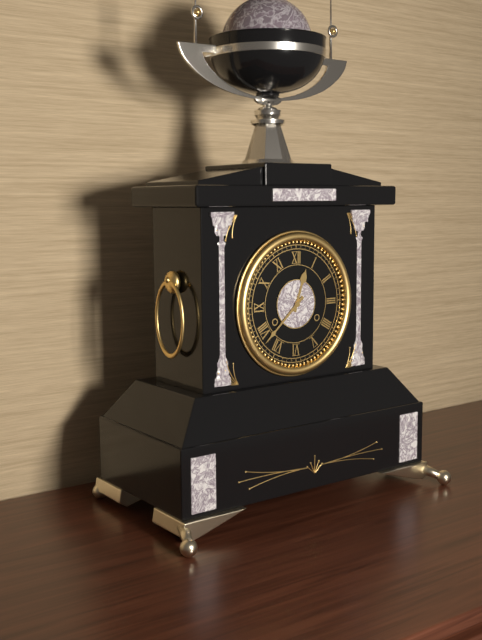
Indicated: 12 h 38 min
